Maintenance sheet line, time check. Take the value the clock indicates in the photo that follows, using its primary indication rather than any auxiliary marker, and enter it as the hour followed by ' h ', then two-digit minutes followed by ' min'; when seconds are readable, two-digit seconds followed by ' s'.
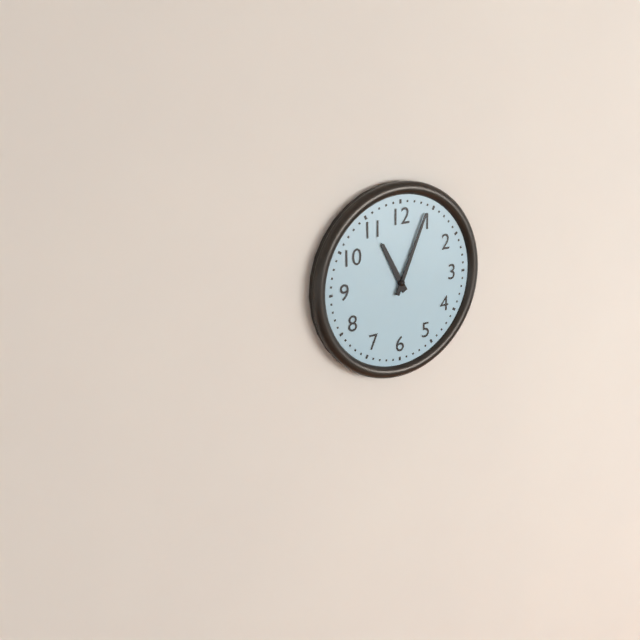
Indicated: 11 h 04 min
